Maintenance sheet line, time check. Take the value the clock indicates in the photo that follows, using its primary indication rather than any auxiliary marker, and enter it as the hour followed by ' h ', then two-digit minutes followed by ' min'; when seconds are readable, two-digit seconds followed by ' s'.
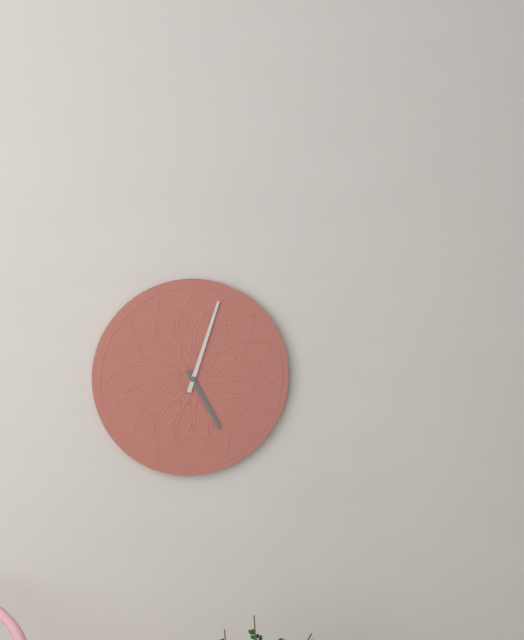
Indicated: 5 h 03 min
